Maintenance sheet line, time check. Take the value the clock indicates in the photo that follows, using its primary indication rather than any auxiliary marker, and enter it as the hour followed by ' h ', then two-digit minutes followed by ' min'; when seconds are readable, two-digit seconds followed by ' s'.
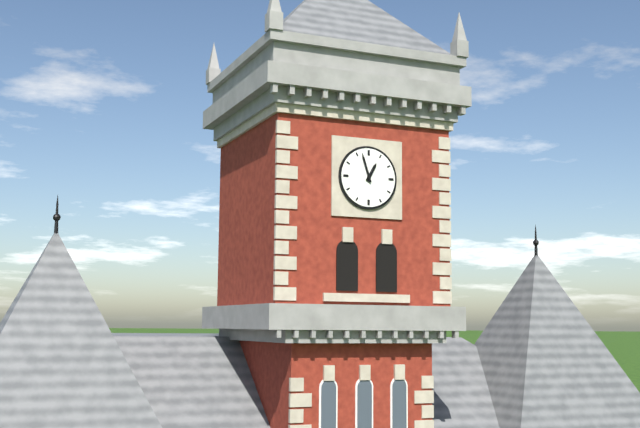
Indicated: 12 h 57 min
